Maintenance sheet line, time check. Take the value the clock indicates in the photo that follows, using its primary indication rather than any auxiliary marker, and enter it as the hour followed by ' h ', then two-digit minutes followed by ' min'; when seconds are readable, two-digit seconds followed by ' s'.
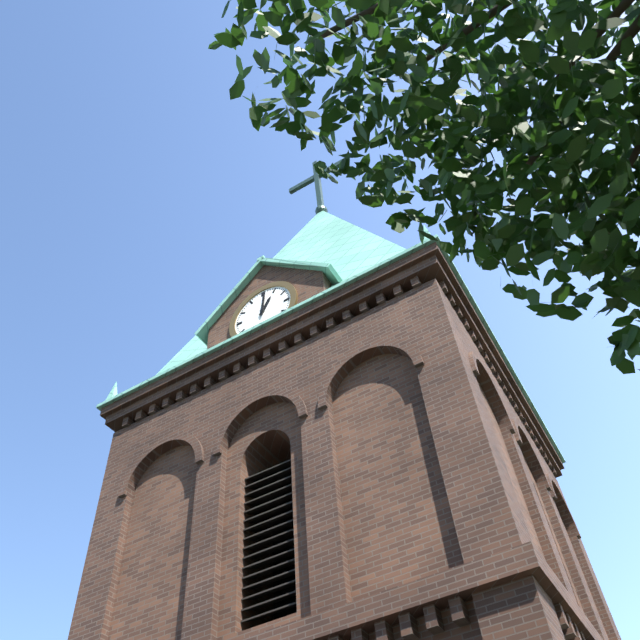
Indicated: 1 h 01 min
